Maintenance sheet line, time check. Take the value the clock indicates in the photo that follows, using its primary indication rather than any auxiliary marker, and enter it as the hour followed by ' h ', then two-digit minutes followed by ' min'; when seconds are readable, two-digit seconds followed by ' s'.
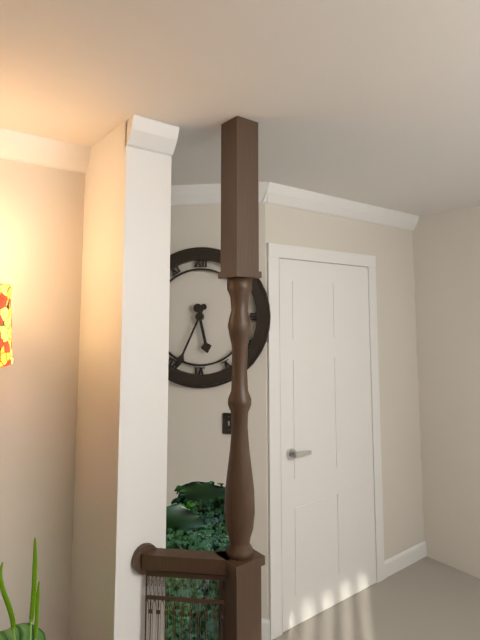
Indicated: 5 h 34 min
